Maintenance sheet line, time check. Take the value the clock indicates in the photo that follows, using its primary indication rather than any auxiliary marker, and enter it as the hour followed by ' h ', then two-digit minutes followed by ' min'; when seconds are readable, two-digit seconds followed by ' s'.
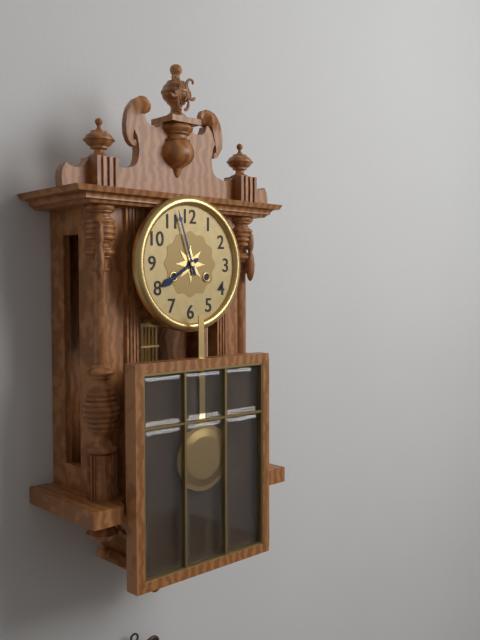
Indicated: 7 h 57 min
